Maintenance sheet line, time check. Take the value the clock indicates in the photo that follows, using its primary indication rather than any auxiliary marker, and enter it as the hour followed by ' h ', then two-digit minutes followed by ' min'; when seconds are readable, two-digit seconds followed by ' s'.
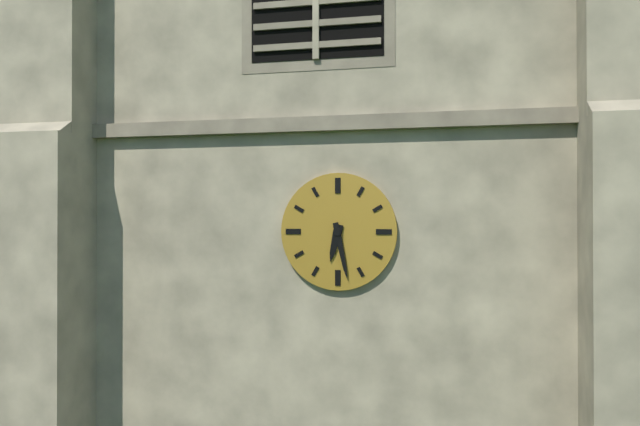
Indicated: 6 h 28 min
